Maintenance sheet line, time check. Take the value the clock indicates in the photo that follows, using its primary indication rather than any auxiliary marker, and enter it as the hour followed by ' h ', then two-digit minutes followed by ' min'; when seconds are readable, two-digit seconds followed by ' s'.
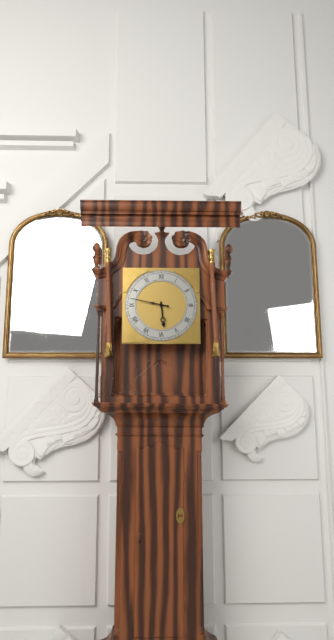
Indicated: 5 h 47 min
